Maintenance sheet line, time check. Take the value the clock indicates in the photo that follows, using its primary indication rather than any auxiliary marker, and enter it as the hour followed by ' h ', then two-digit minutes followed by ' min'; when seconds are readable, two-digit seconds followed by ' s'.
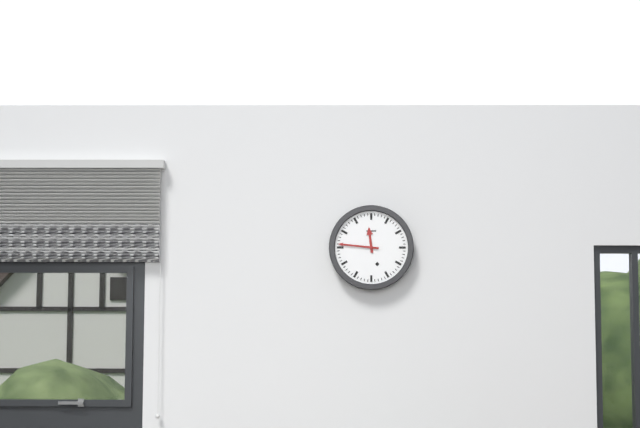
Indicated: 11 h 46 min
